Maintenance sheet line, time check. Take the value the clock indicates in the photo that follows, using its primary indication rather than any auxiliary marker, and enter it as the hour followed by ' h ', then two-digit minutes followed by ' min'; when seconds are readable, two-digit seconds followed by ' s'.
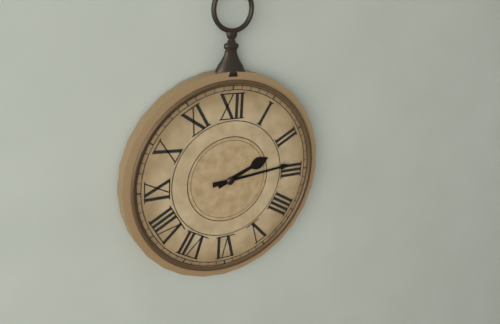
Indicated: 2 h 14 min
